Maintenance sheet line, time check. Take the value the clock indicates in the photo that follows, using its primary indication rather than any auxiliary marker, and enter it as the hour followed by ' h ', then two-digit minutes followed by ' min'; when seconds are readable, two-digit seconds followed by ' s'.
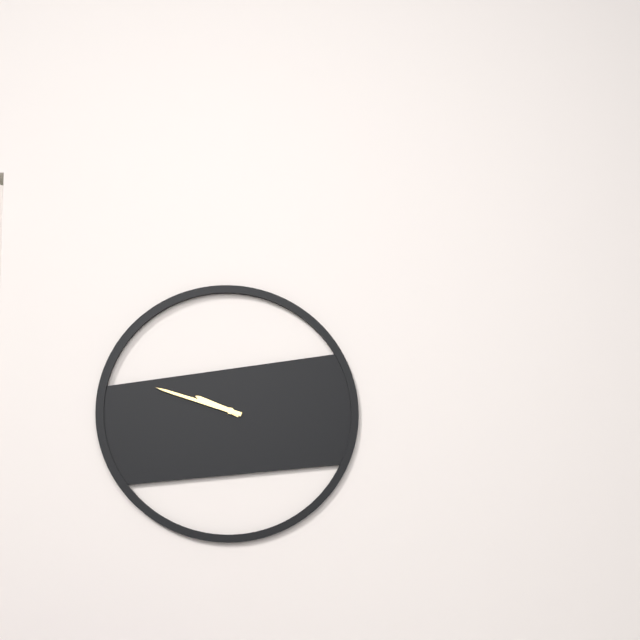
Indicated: 9 h 48 min
